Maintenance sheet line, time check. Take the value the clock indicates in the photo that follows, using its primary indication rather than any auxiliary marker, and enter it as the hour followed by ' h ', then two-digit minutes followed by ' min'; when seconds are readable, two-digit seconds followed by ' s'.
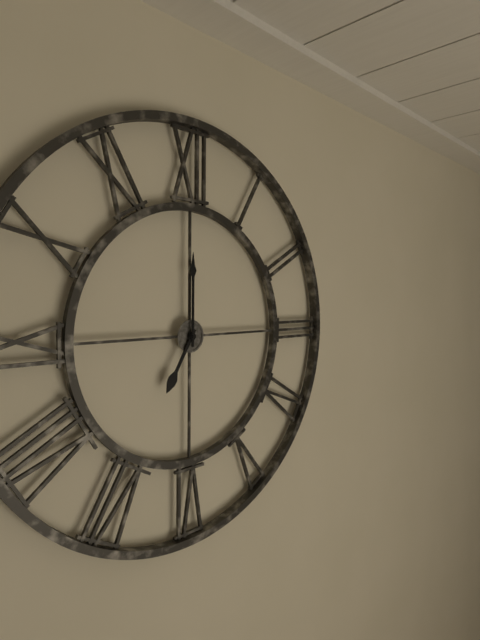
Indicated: 7 h 00 min
